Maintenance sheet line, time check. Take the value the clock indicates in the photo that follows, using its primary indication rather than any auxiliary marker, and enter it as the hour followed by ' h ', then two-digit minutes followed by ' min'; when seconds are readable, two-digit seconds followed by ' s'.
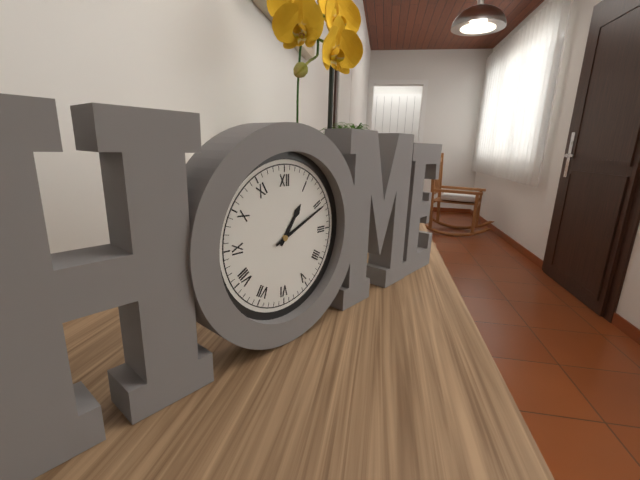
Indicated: 1 h 11 min
